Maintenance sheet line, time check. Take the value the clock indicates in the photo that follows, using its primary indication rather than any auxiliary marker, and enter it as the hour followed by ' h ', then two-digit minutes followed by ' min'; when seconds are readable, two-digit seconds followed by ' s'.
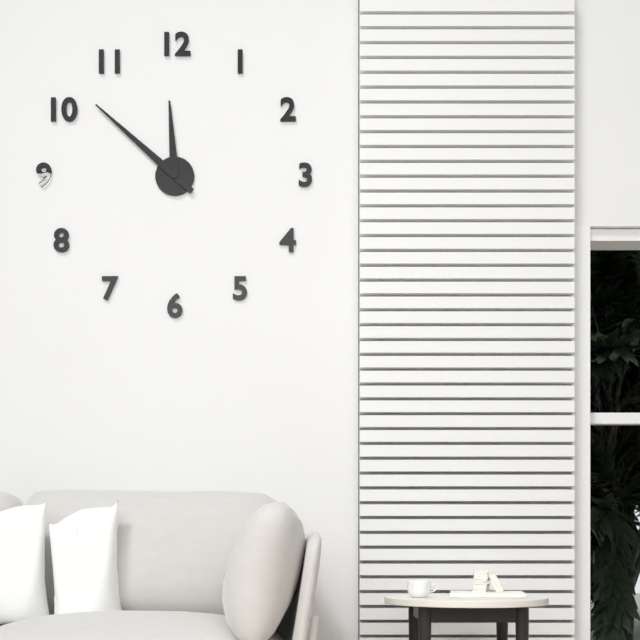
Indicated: 11 h 52 min
